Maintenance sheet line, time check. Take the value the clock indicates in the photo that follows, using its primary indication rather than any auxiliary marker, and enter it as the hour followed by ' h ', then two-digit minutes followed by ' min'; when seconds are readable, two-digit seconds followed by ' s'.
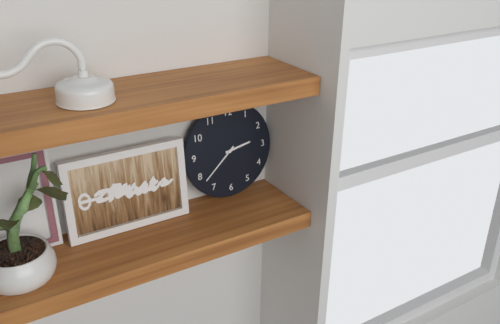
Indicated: 2 h 38 min
